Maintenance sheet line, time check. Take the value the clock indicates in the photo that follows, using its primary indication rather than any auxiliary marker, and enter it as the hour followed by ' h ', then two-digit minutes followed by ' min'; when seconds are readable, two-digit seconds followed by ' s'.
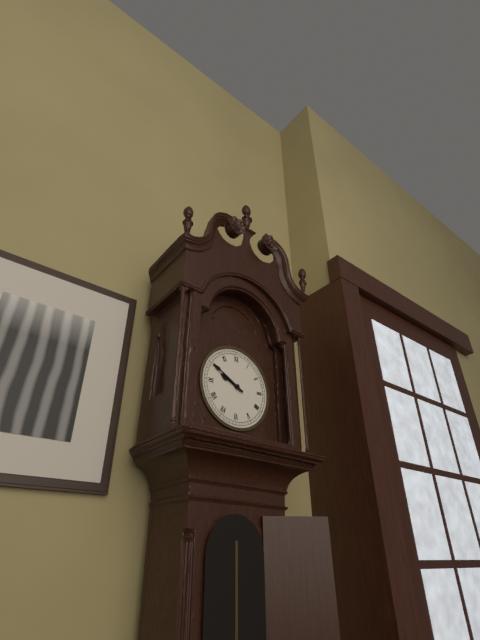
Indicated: 9 h 50 min
